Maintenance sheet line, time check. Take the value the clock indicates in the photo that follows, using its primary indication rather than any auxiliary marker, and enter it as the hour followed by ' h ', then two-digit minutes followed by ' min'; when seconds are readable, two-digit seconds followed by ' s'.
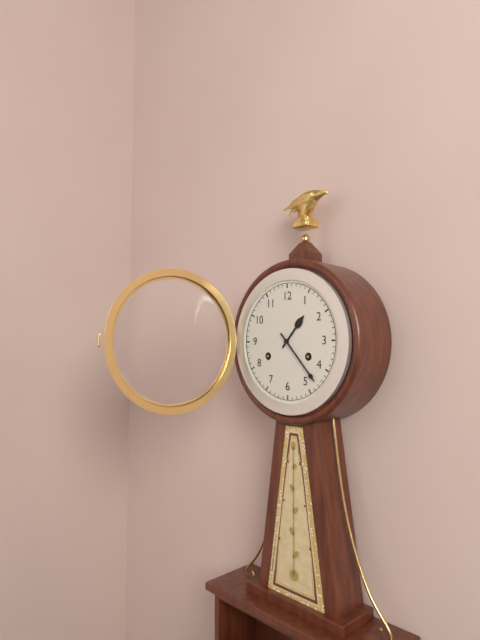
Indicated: 1 h 23 min
